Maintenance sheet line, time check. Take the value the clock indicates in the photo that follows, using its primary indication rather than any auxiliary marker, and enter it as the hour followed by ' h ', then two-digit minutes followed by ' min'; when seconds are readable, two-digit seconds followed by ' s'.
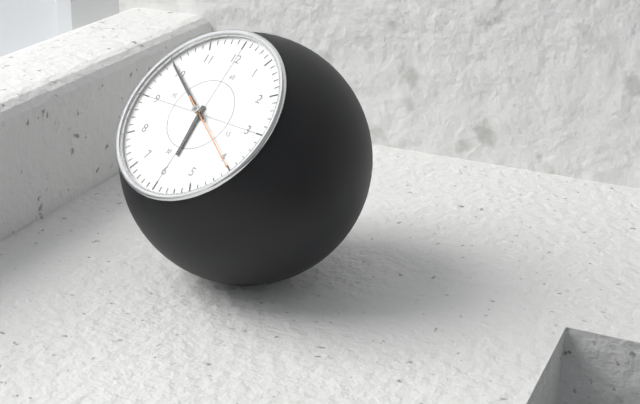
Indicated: 5 h 50 min
